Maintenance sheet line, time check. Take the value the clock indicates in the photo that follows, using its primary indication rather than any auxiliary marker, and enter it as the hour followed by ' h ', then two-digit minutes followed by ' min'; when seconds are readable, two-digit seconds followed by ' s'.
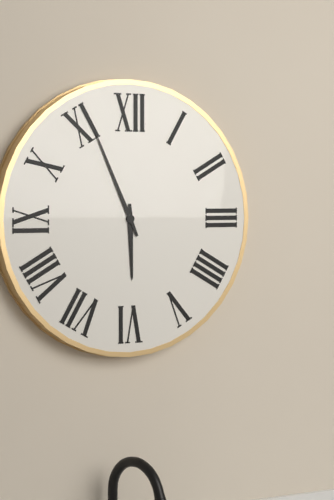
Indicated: 5 h 56 min
